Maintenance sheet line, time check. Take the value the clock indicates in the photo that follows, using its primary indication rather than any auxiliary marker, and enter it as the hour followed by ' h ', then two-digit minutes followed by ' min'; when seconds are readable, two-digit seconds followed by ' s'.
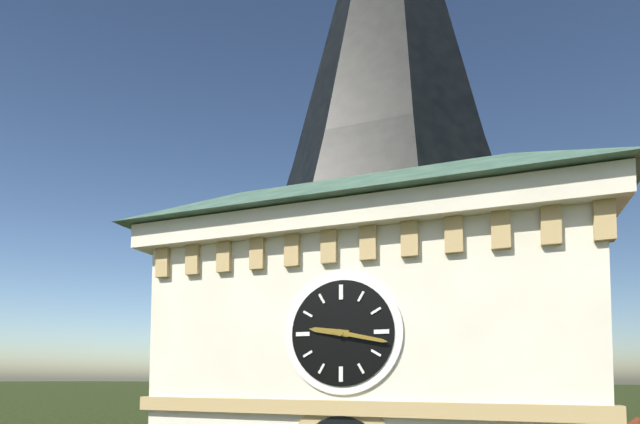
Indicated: 9 h 17 min
